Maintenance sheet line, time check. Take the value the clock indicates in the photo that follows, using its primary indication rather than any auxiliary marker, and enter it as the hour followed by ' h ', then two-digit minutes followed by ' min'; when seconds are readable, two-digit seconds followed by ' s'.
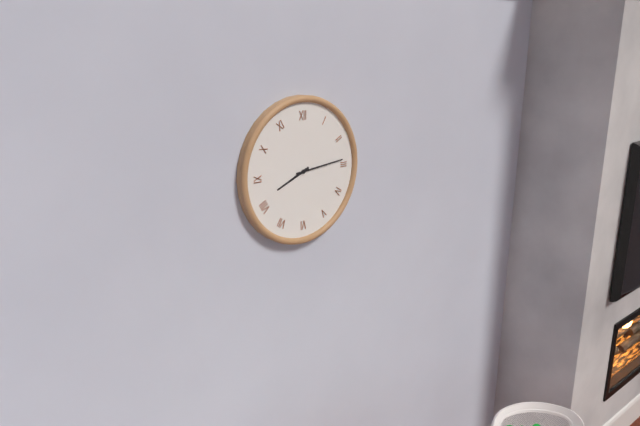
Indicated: 8 h 14 min
